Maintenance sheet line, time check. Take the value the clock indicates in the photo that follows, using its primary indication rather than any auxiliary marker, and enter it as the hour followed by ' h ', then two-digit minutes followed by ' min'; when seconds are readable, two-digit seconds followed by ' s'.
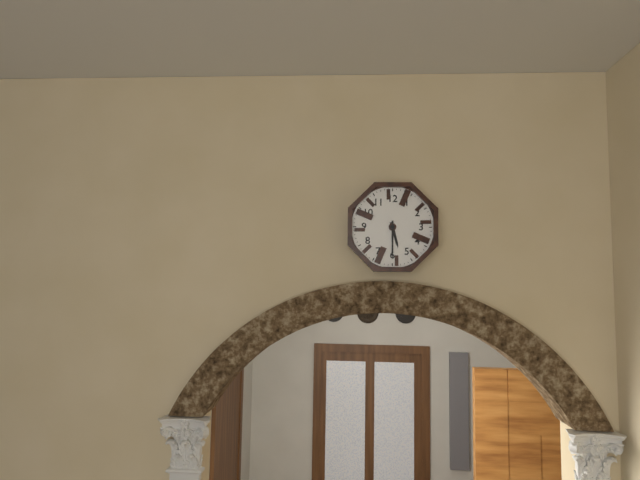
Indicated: 5 h 30 min
